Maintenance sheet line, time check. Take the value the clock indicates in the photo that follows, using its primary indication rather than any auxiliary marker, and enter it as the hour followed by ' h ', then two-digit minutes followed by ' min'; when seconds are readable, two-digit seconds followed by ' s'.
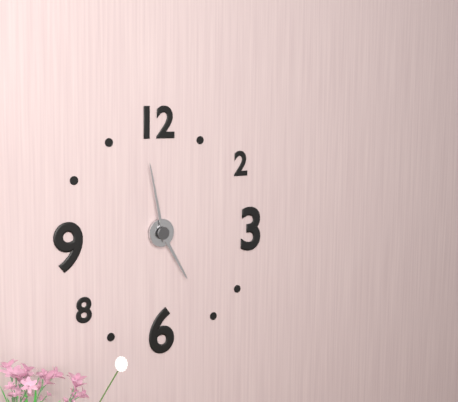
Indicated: 4 h 58 min
